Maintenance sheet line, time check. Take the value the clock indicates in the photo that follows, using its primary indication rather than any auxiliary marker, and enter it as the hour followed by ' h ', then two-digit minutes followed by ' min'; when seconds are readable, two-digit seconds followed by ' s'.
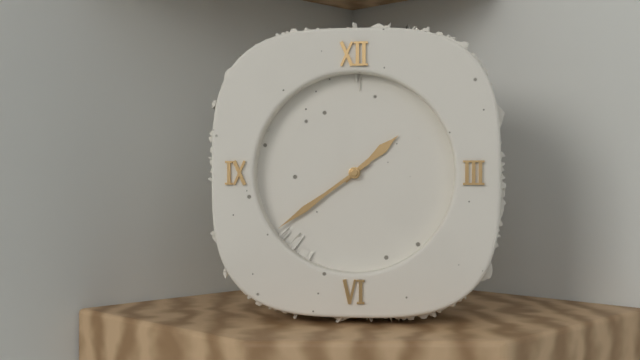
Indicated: 1 h 39 min
